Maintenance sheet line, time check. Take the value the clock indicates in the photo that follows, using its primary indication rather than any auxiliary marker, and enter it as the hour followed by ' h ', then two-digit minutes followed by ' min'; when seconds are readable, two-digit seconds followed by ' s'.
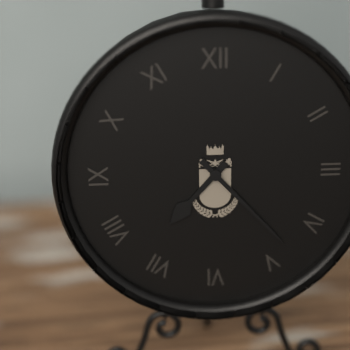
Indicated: 7 h 23 min
